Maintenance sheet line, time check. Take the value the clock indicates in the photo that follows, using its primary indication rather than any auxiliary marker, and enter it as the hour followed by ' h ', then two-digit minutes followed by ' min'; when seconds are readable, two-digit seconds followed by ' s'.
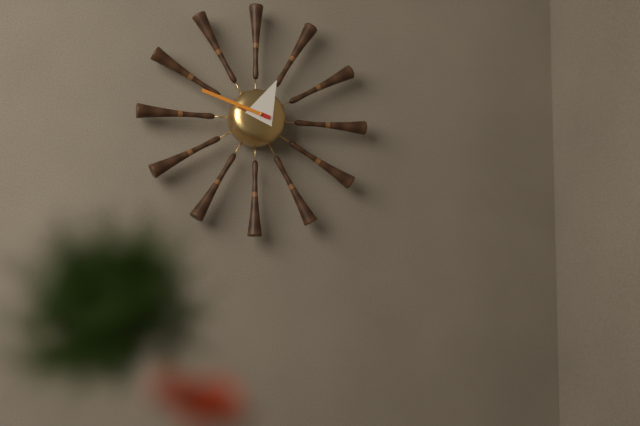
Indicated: 12 h 48 min
